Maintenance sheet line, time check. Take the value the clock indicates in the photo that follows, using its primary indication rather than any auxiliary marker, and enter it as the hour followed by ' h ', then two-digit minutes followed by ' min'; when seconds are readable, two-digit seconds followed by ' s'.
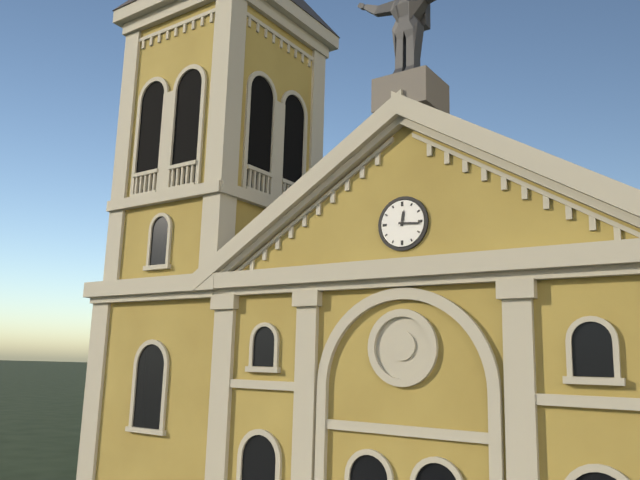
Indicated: 12 h 16 min
